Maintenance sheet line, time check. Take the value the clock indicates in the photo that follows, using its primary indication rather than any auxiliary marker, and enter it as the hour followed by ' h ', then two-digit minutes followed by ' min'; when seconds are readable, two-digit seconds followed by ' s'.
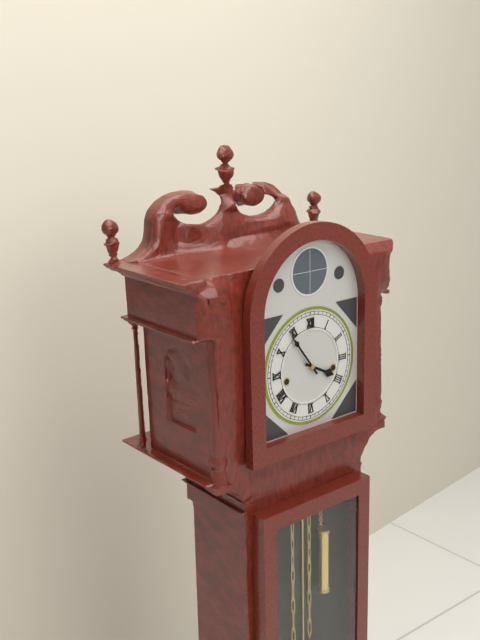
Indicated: 3 h 54 min
